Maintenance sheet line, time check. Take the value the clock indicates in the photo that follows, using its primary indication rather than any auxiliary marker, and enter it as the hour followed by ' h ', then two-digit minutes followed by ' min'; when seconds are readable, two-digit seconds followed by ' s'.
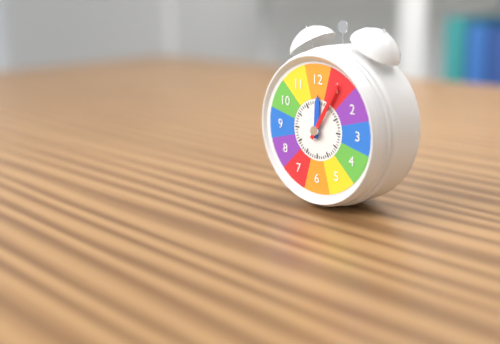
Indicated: 12 h 05 min
